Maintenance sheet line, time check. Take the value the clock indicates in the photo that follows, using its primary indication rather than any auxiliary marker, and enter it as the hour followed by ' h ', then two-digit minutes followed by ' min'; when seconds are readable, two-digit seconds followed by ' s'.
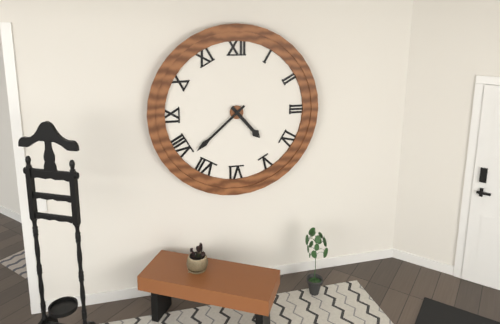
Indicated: 4 h 38 min
